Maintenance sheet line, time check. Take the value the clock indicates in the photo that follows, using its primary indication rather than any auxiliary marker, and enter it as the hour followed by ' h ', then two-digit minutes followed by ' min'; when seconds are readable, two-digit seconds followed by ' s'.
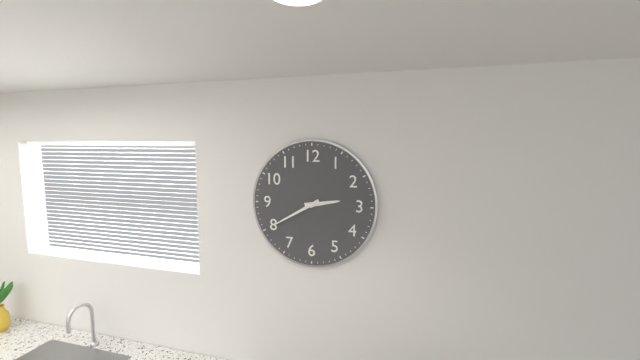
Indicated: 2 h 40 min
